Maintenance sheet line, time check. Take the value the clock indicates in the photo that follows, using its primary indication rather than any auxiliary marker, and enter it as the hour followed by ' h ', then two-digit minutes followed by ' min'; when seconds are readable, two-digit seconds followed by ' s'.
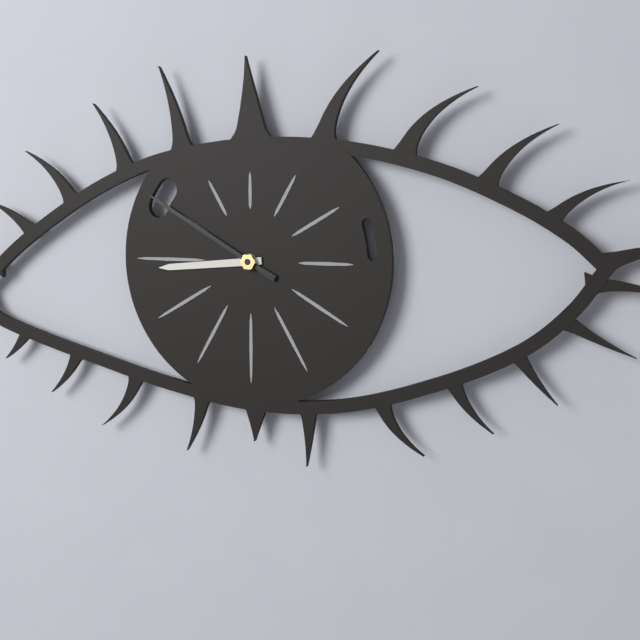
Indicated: 8 h 50 min
